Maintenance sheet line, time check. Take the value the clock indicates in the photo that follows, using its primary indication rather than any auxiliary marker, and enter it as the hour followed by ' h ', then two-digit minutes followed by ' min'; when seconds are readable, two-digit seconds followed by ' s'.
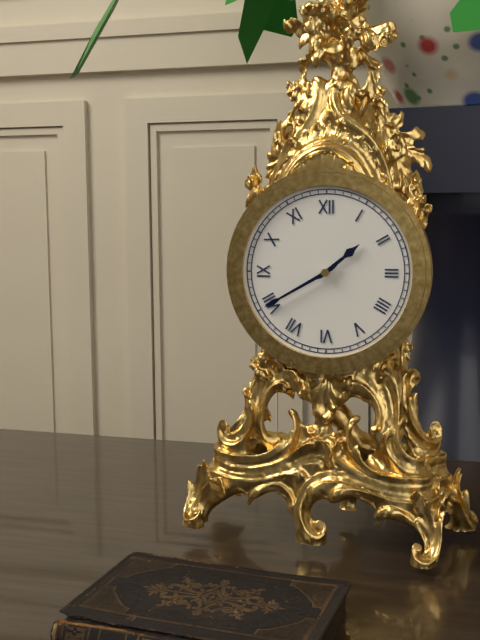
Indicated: 1 h 40 min
